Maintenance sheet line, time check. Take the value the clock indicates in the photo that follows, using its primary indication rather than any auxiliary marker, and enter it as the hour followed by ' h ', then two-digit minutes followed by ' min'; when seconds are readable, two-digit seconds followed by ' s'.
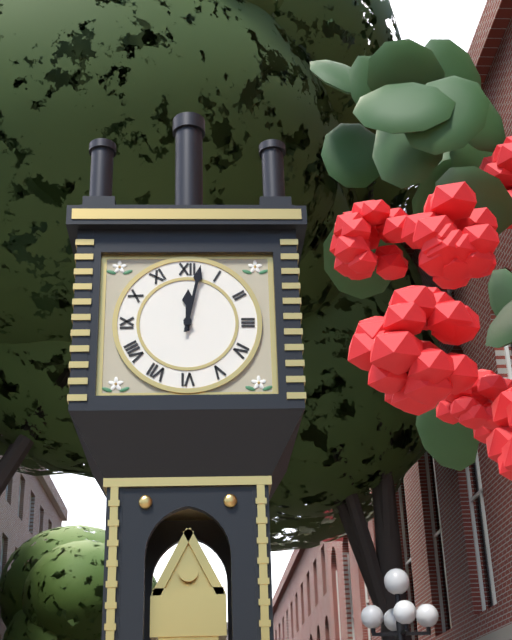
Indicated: 12 h 02 min
